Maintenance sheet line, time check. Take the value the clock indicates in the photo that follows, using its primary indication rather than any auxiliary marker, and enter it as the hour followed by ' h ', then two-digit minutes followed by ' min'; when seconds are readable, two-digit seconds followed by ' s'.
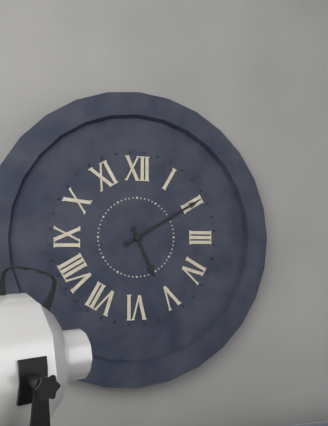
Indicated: 5 h 10 min
